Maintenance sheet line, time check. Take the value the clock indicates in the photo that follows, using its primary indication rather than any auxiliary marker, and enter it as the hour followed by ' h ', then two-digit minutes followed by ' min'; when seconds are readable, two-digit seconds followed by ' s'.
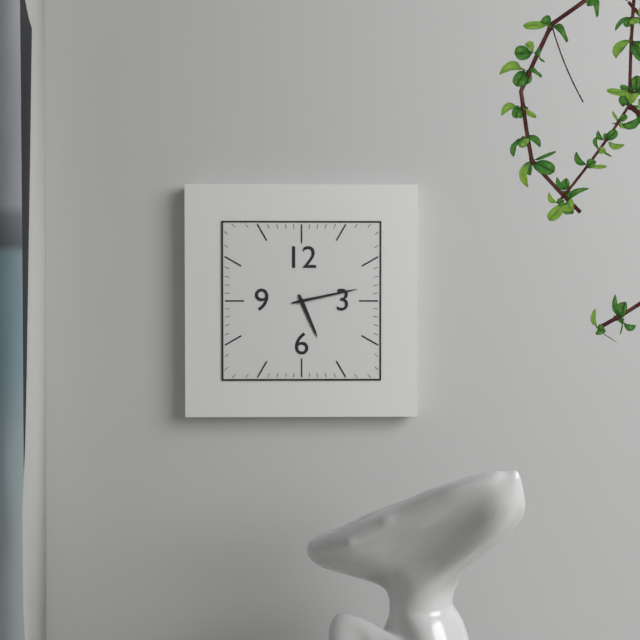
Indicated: 5 h 13 min
